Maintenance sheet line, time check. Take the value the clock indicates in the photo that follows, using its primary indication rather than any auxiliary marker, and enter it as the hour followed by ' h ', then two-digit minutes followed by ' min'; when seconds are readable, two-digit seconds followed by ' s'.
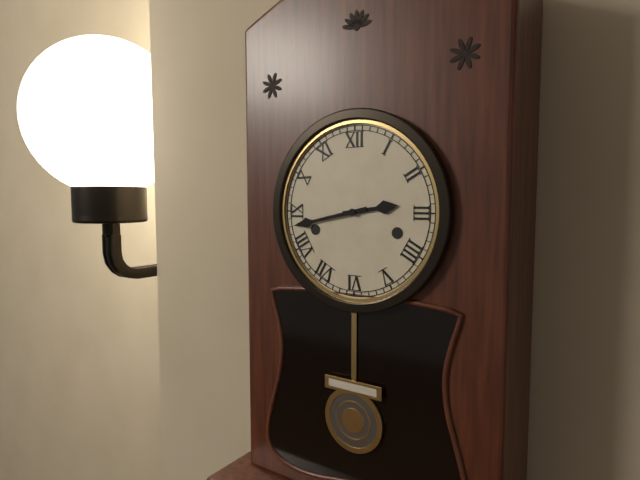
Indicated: 2 h 43 min
